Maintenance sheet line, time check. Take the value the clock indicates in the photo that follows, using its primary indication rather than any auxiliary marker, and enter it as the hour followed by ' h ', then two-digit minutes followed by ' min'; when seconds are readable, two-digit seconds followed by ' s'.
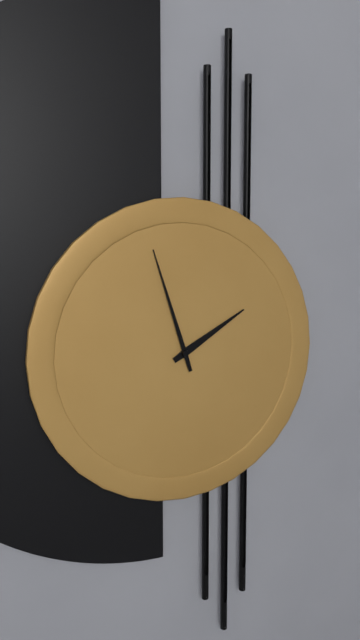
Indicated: 1 h 57 min
